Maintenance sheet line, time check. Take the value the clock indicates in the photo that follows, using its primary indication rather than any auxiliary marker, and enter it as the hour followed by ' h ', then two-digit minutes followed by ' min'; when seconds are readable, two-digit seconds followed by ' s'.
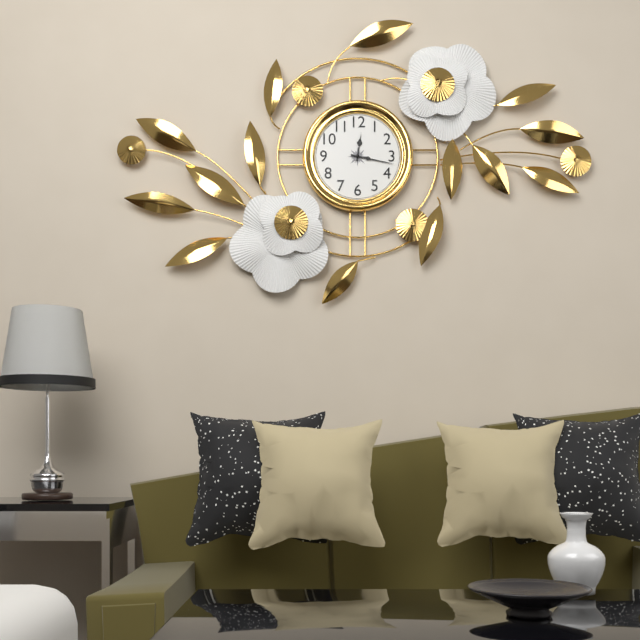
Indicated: 12 h 17 min
